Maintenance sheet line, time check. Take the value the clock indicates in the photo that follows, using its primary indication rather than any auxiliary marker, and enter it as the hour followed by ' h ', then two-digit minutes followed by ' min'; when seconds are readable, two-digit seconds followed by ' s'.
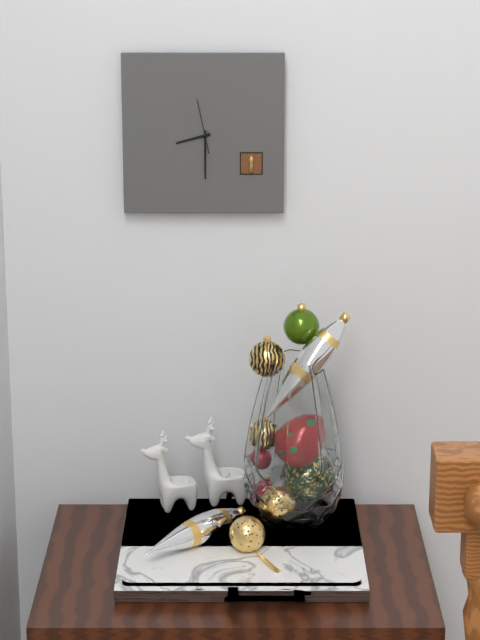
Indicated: 8 h 30 min
